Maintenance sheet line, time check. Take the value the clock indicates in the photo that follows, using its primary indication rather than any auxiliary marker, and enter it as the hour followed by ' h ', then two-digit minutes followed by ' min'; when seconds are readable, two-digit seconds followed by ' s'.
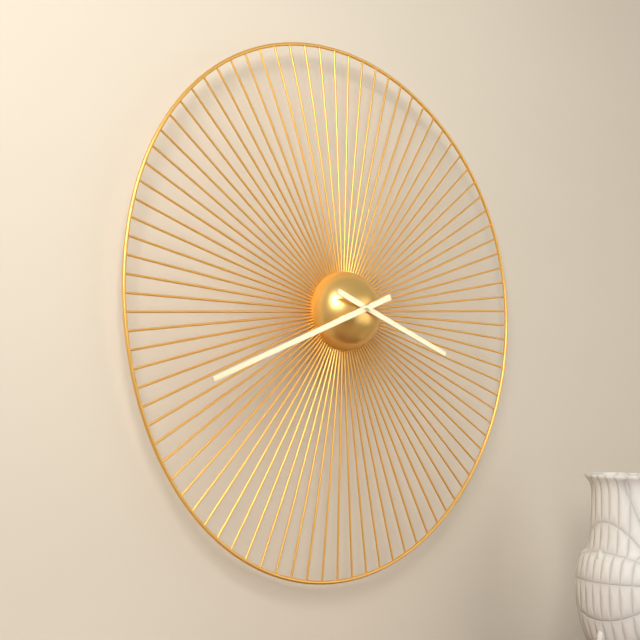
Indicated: 3 h 41 min
